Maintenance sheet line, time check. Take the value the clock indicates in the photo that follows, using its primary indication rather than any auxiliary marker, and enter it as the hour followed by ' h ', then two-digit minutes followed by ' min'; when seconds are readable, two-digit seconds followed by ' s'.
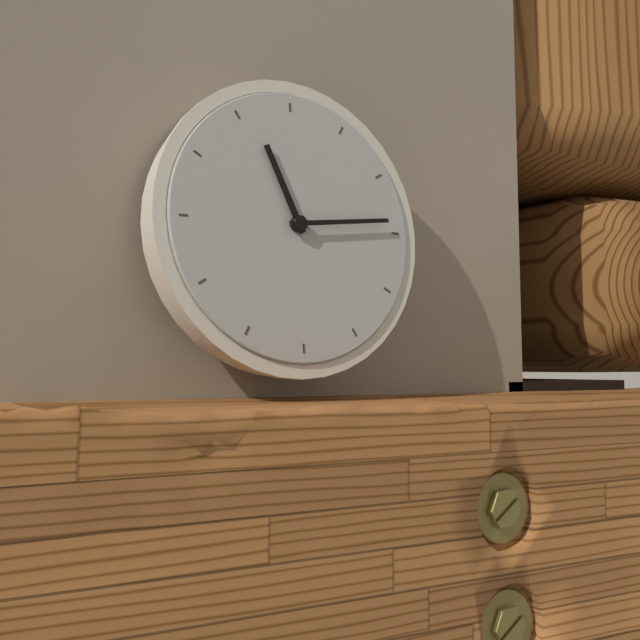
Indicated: 11 h 14 min
